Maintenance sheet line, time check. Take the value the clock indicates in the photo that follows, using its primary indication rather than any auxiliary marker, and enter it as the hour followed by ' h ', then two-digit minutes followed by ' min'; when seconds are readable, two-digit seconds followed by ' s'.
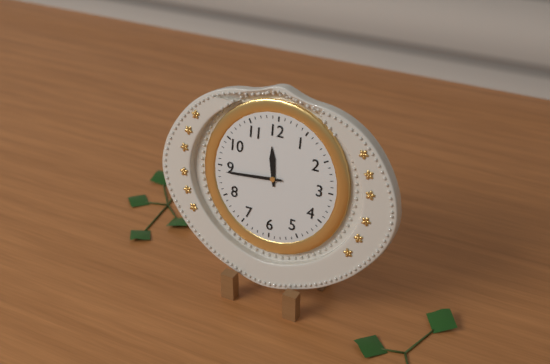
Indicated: 11 h 44 min
